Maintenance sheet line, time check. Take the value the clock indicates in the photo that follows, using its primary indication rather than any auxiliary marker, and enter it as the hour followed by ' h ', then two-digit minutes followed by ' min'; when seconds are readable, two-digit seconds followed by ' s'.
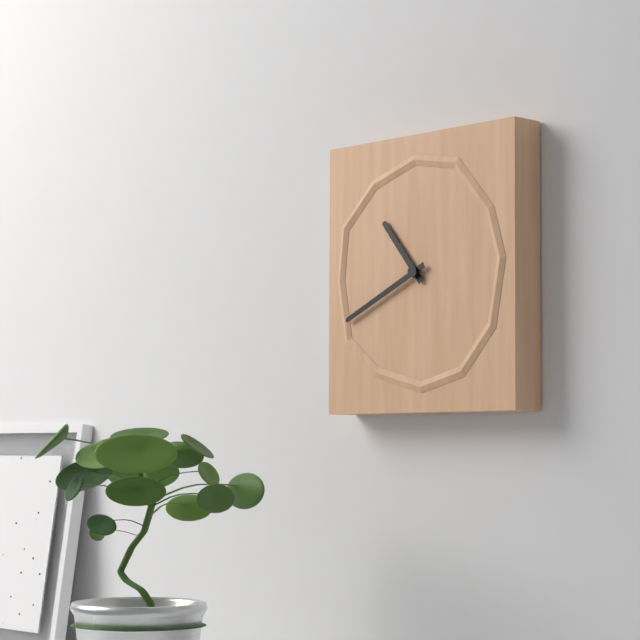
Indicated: 10 h 41 min
